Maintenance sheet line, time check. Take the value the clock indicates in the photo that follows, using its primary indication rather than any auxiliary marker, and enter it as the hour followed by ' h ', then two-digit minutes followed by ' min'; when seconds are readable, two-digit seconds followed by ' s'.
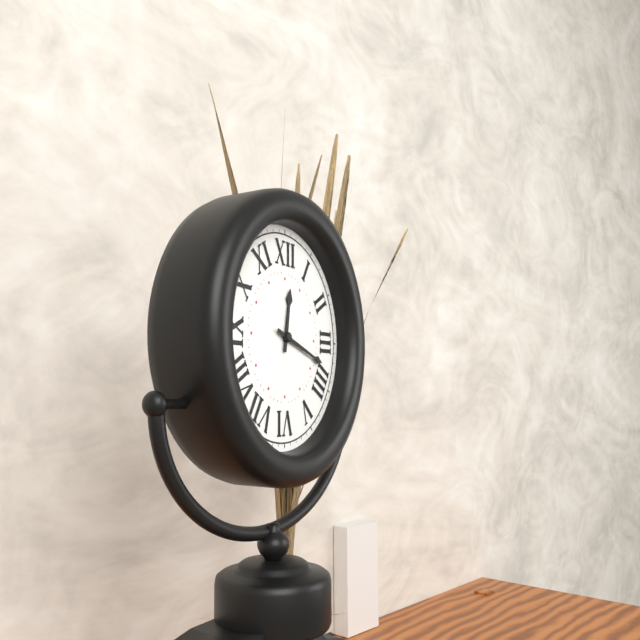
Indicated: 12 h 18 min
